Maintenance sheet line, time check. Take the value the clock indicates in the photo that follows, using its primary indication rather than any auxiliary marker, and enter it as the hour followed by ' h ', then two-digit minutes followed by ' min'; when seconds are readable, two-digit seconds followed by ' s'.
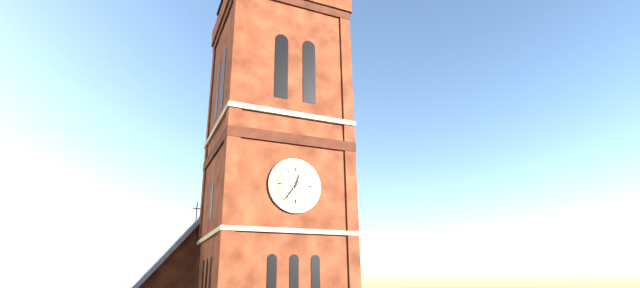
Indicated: 12 h 36 min
